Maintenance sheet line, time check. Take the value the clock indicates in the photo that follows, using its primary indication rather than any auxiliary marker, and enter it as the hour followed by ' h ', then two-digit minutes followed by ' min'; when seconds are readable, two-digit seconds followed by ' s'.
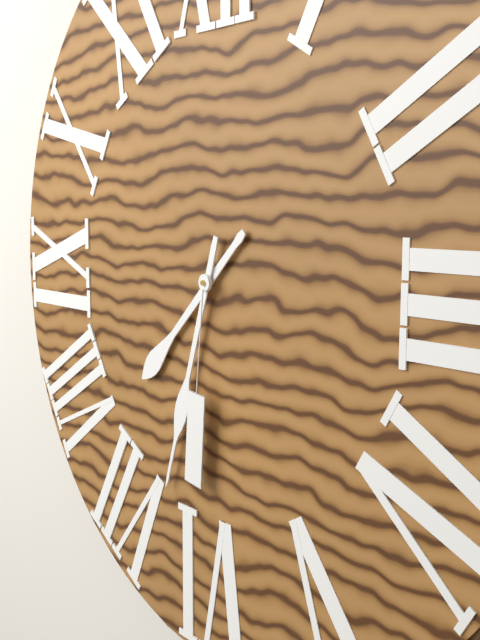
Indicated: 7 h 33 min
